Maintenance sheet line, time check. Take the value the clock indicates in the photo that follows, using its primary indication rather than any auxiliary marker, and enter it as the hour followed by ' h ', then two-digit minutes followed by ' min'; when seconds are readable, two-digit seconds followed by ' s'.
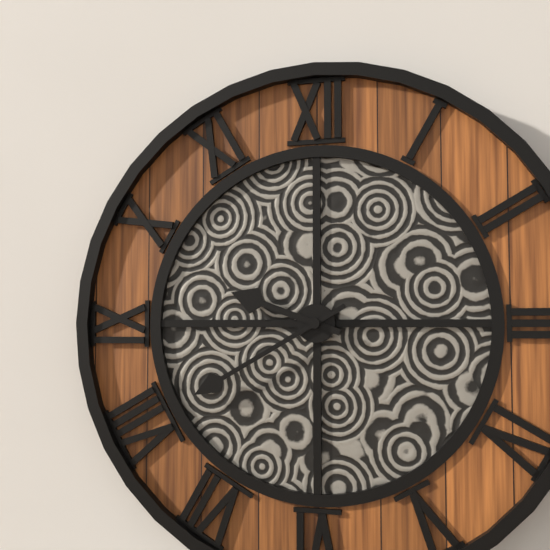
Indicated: 9 h 40 min
